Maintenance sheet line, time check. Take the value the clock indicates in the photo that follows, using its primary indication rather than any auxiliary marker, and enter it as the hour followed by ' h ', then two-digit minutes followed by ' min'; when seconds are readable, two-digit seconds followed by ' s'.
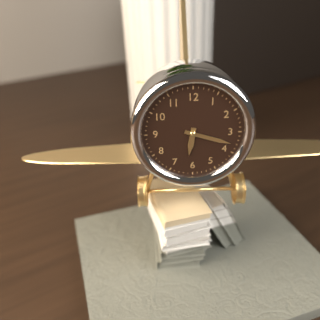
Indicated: 6 h 18 min
